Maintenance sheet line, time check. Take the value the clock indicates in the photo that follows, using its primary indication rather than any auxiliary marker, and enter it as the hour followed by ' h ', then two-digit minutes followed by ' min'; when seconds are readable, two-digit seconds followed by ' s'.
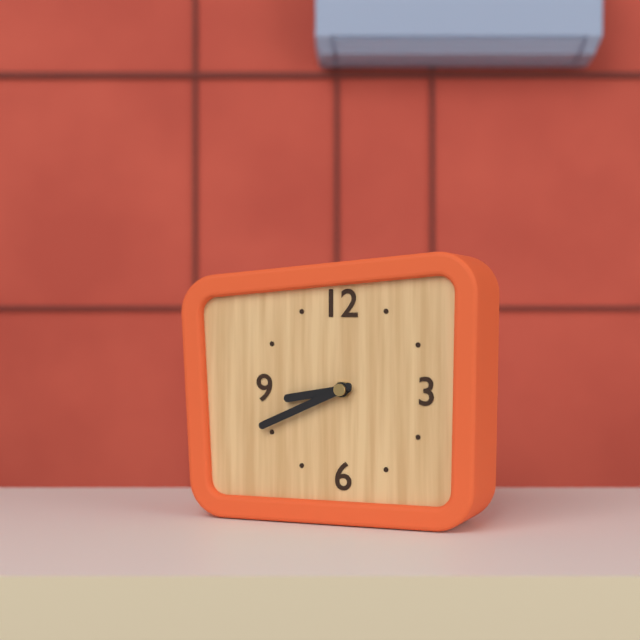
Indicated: 8 h 41 min
